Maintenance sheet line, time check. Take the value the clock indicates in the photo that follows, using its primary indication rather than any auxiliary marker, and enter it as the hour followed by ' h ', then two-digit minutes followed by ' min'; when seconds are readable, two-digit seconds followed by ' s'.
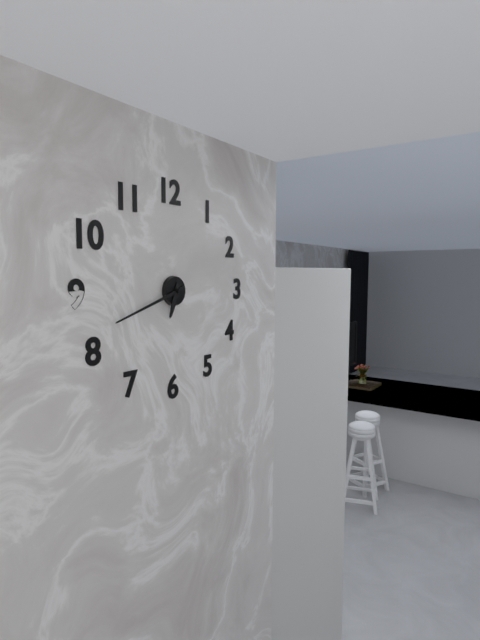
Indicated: 6 h 42 min
